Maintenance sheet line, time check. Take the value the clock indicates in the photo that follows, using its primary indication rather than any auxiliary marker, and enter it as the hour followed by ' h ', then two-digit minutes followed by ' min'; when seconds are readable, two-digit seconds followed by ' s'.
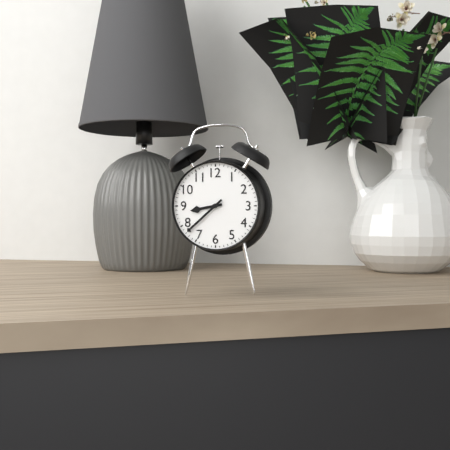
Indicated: 8 h 38 min
